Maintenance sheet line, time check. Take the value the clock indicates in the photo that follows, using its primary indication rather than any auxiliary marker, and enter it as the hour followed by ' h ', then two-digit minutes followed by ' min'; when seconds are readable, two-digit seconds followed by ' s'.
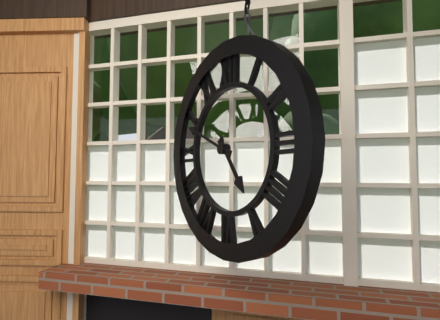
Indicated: 4 h 49 min
